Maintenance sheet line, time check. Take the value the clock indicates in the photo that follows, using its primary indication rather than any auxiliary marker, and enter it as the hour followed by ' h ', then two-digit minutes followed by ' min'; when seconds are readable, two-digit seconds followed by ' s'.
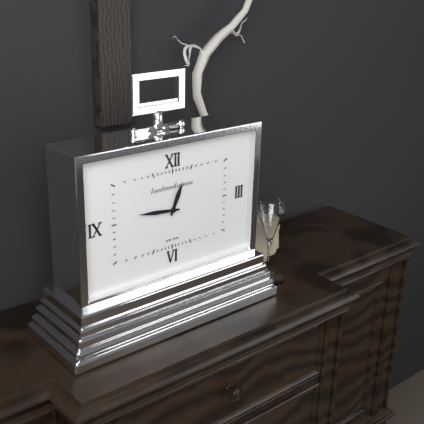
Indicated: 12 h 46 min
